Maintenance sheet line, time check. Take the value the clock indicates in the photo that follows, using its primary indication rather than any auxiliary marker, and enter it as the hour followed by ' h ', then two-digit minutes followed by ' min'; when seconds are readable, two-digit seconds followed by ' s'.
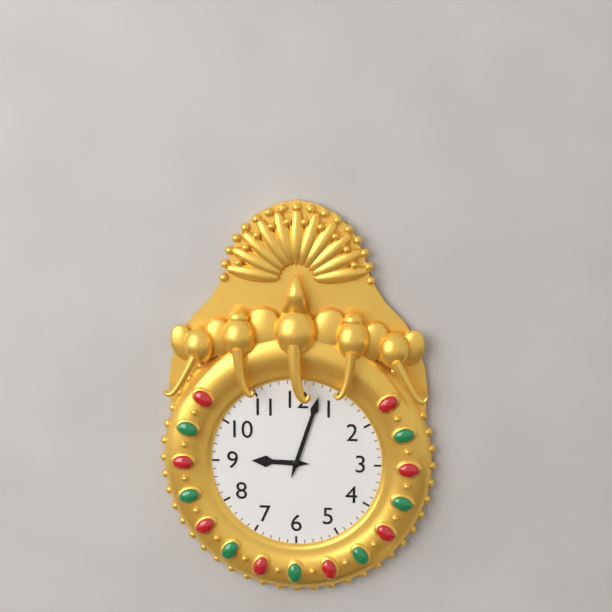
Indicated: 9 h 03 min
